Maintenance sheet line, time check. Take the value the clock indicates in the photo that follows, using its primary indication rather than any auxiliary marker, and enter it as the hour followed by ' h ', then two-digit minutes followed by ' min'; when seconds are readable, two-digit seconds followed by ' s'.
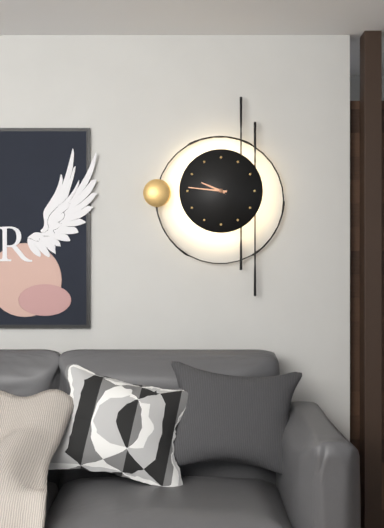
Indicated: 9 h 46 min
